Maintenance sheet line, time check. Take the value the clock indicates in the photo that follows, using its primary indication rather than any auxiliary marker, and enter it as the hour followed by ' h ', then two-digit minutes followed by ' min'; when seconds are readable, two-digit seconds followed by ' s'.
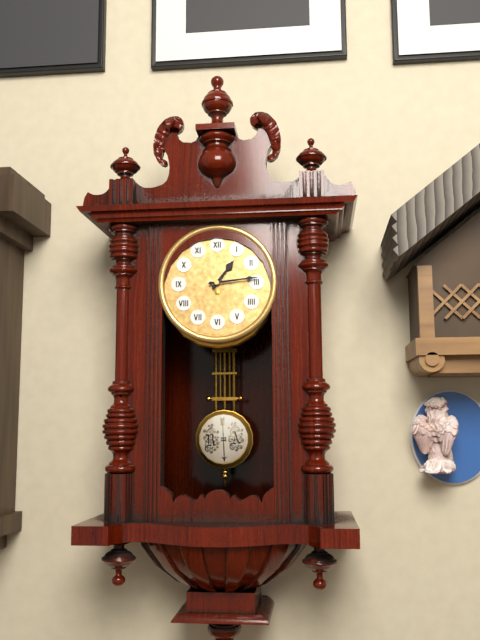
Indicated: 1 h 14 min
